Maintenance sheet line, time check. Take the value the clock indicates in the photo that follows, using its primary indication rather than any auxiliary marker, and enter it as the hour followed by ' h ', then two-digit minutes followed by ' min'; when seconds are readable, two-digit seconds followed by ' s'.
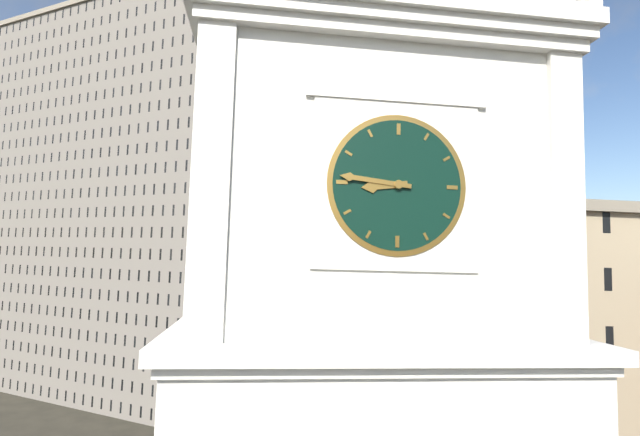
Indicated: 8 h 46 min
